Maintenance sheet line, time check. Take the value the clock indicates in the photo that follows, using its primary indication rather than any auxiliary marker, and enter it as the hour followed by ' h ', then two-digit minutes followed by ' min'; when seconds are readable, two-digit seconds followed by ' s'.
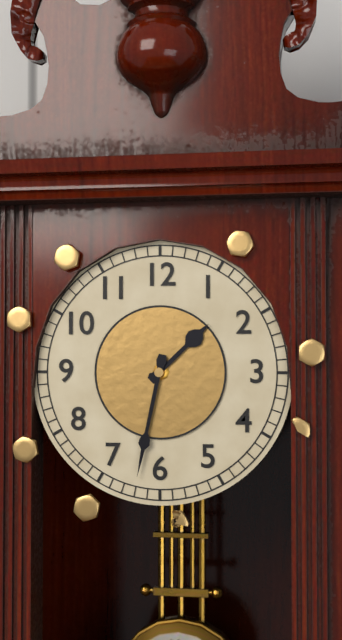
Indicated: 1 h 32 min
